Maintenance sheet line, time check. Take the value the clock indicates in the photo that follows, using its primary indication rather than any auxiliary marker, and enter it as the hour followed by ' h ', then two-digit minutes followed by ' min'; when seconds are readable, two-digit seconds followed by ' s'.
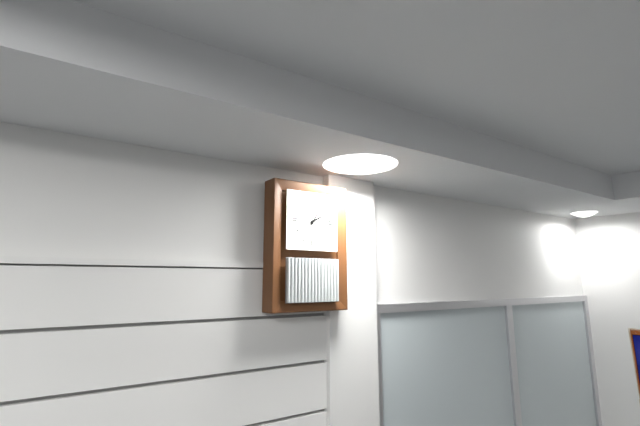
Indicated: 2 h 05 min
